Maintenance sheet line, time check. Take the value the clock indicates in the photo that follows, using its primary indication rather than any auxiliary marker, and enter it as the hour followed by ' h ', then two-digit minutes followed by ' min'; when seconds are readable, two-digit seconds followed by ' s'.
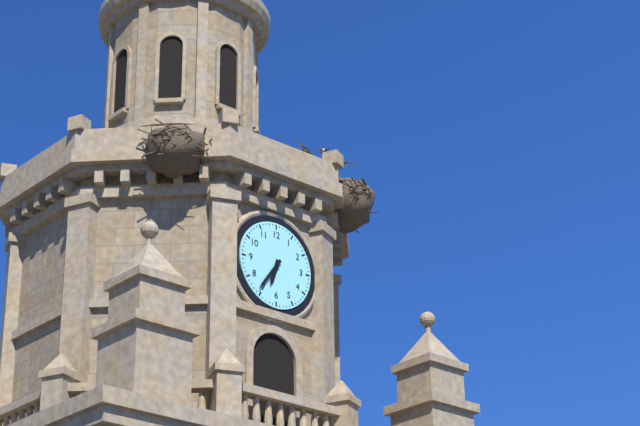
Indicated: 6 h 36 min
